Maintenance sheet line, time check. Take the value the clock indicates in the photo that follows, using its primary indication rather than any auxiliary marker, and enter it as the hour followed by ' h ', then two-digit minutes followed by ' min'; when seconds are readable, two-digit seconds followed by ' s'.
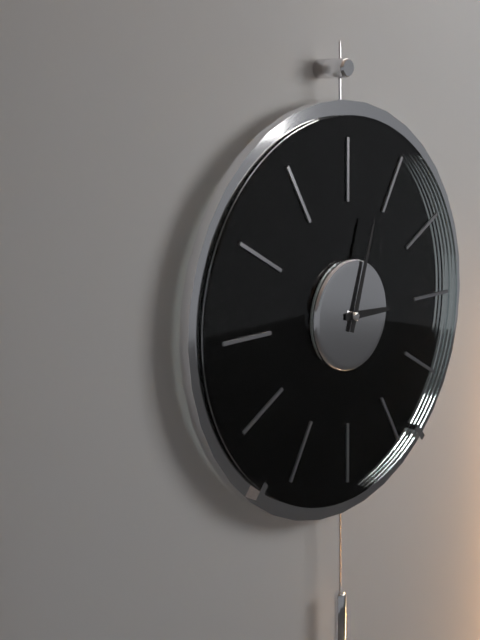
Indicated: 3 h 03 min
